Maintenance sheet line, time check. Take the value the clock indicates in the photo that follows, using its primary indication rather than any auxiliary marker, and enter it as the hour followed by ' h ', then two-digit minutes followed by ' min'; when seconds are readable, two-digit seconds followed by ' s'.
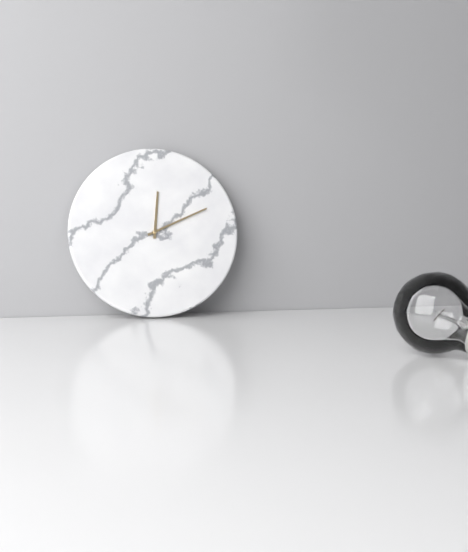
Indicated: 12 h 11 min
